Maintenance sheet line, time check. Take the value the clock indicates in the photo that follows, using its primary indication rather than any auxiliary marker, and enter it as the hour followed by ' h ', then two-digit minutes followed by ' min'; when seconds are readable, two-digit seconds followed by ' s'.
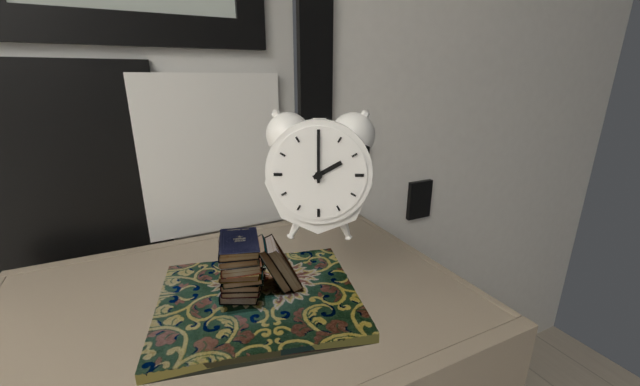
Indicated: 2 h 00 min
